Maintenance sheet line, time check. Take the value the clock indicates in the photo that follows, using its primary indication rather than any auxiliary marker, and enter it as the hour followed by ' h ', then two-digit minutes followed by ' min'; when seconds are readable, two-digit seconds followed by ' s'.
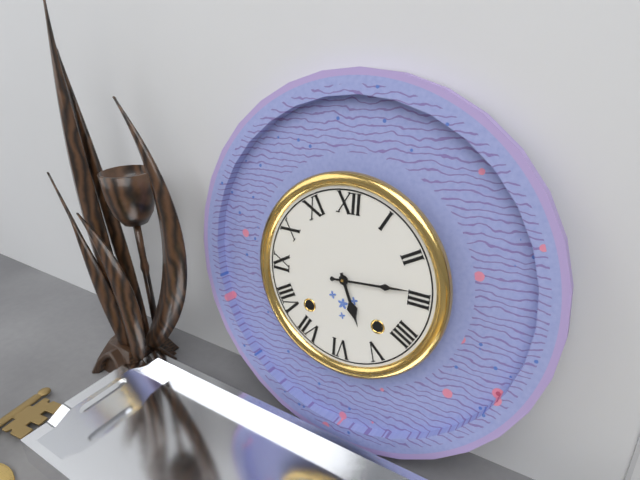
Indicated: 5 h 14 min
